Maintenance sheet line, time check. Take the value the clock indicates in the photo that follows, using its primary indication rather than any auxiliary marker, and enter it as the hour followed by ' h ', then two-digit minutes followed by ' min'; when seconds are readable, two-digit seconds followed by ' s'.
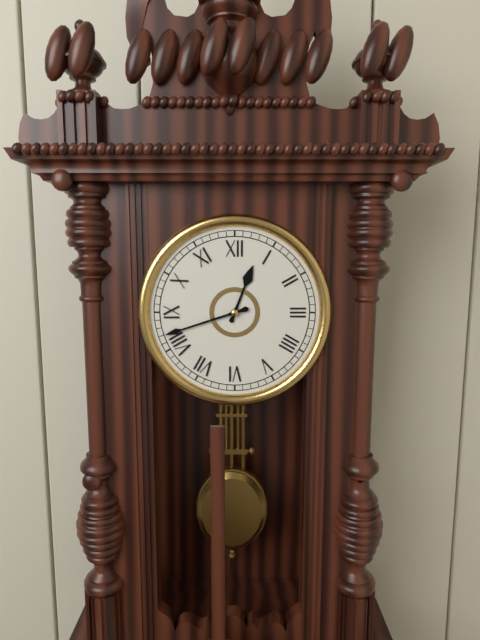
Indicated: 12 h 42 min
